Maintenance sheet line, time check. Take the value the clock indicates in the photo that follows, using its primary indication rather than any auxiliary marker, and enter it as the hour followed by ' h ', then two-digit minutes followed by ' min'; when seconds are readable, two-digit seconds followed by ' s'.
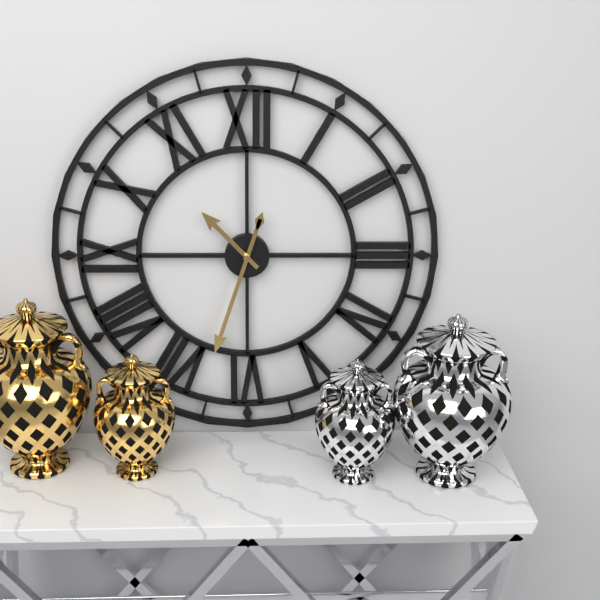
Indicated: 10 h 33 min
